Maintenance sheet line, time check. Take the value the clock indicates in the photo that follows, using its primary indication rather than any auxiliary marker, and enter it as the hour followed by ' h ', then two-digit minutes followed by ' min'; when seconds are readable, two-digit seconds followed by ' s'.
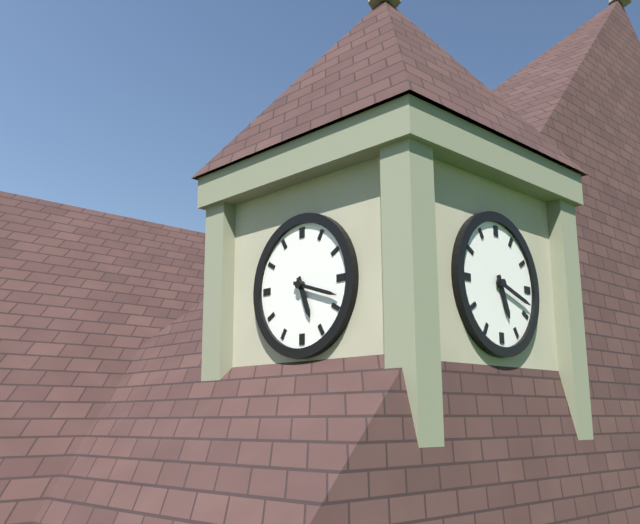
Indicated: 5 h 18 min
